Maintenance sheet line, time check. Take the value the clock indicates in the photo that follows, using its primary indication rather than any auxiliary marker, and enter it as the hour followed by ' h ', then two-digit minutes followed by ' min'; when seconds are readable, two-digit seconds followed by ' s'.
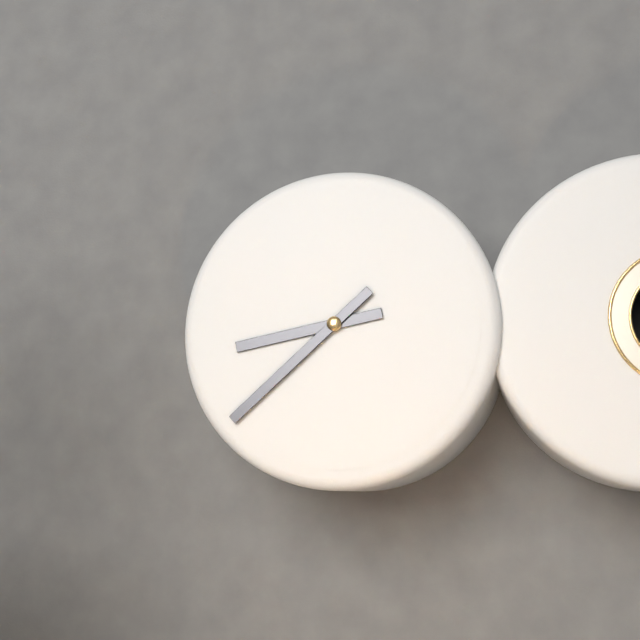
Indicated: 8 h 38 min
